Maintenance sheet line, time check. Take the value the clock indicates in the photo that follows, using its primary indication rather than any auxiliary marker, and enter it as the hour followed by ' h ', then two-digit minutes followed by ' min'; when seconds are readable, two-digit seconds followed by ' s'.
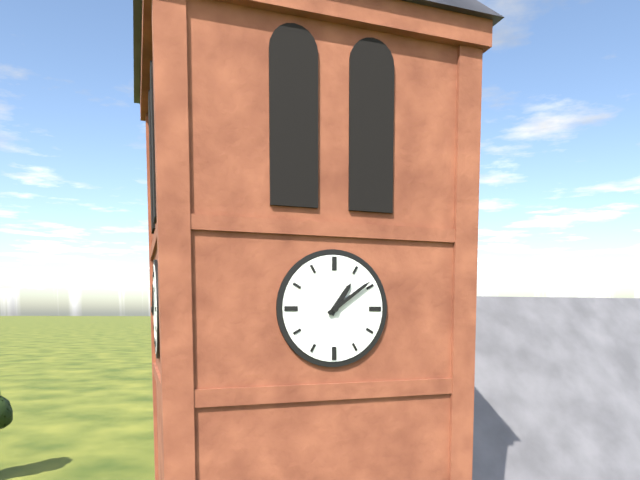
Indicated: 1 h 09 min
